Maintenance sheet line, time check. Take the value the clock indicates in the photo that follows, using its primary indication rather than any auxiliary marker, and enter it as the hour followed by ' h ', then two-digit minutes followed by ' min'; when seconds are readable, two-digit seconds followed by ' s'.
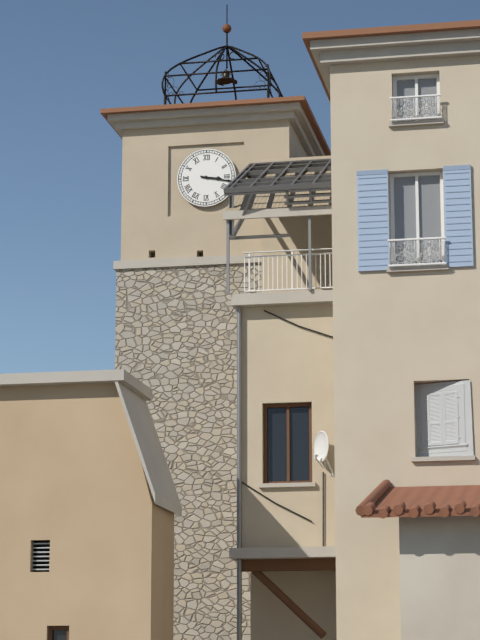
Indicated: 3 h 17 min
